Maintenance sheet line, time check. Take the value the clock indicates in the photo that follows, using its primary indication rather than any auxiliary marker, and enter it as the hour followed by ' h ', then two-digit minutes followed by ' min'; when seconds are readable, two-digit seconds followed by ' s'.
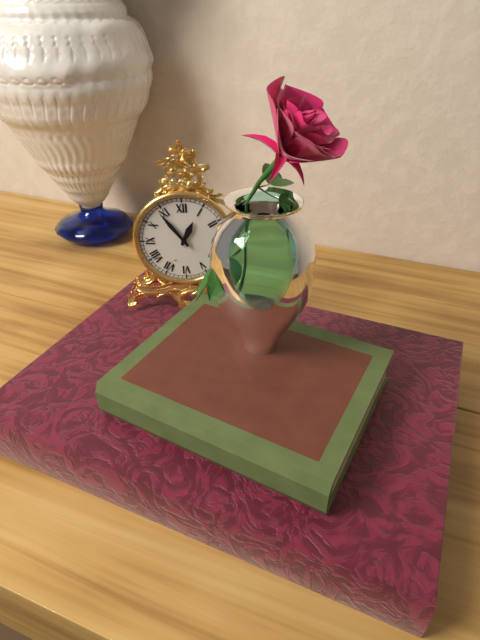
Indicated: 12 h 54 min
